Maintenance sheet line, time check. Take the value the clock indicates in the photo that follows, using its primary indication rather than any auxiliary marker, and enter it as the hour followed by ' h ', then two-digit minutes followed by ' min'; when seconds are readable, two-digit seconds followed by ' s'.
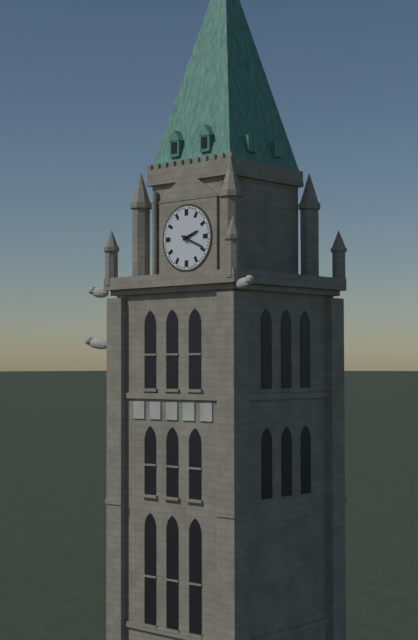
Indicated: 2 h 19 min
